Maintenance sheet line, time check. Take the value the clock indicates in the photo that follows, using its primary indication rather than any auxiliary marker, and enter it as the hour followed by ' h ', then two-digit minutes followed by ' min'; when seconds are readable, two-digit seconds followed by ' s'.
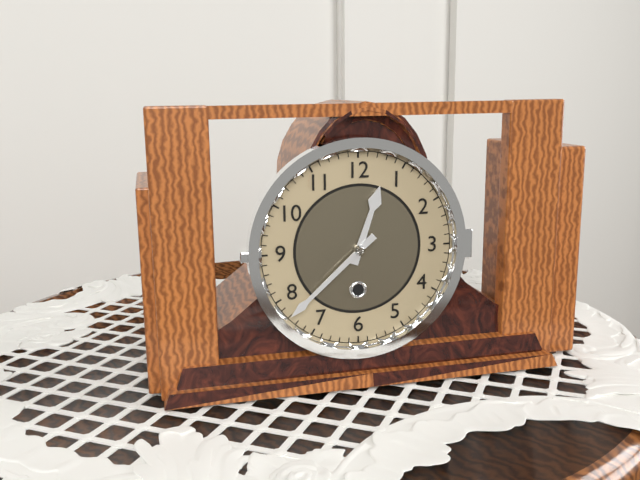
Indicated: 12 h 38 min
